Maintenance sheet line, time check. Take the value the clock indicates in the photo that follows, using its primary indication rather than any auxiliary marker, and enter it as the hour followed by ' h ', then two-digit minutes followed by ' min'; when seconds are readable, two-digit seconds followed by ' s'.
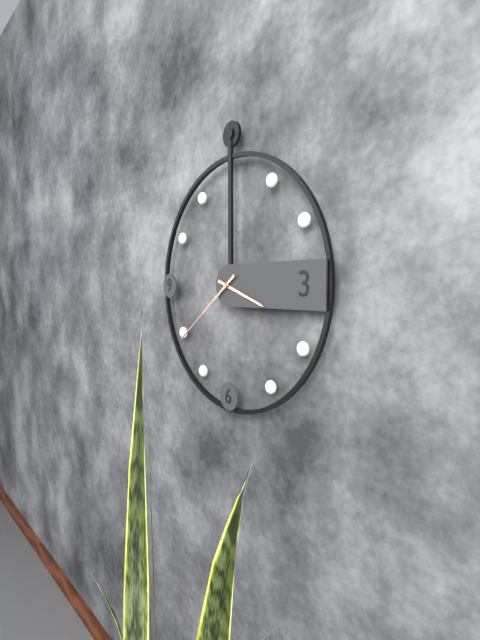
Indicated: 3 h 39 min
